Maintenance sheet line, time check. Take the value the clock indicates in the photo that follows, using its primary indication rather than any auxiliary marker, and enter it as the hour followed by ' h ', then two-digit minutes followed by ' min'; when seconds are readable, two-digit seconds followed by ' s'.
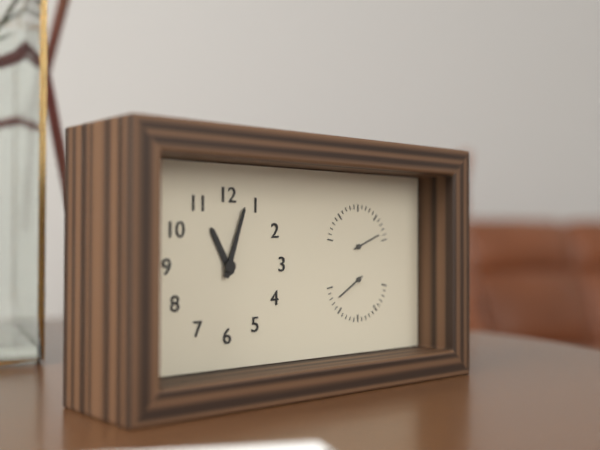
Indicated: 11 h 03 min
